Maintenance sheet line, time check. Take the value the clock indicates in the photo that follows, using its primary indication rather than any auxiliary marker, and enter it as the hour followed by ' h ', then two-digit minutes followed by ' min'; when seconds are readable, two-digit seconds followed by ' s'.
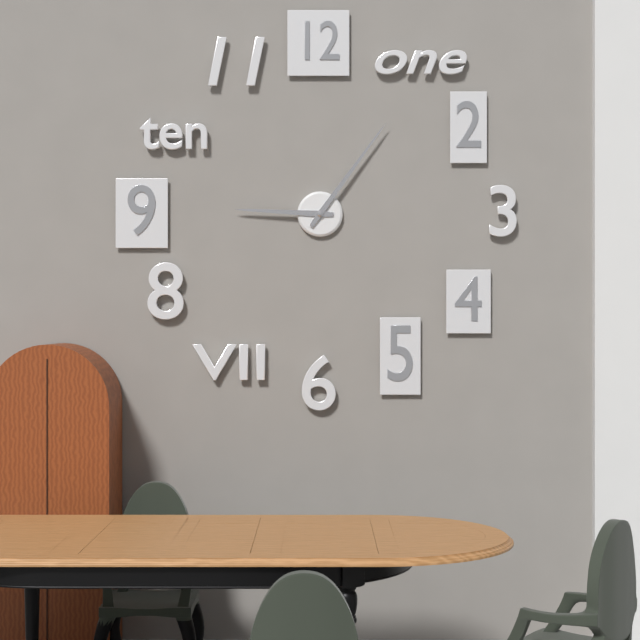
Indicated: 9 h 06 min
